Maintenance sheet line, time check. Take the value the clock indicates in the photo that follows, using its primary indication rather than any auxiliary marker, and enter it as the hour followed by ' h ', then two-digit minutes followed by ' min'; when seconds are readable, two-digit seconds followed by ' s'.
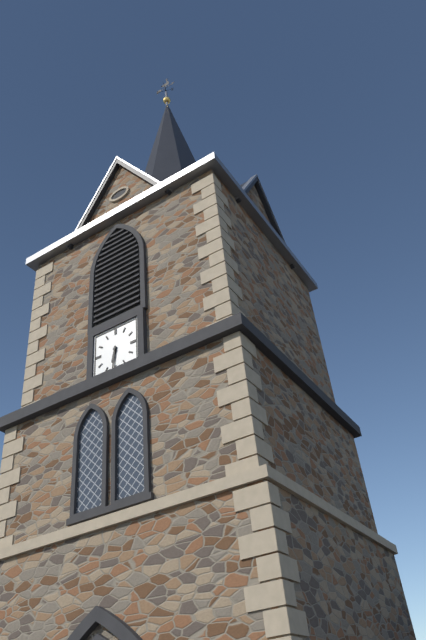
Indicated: 6 h 31 min
